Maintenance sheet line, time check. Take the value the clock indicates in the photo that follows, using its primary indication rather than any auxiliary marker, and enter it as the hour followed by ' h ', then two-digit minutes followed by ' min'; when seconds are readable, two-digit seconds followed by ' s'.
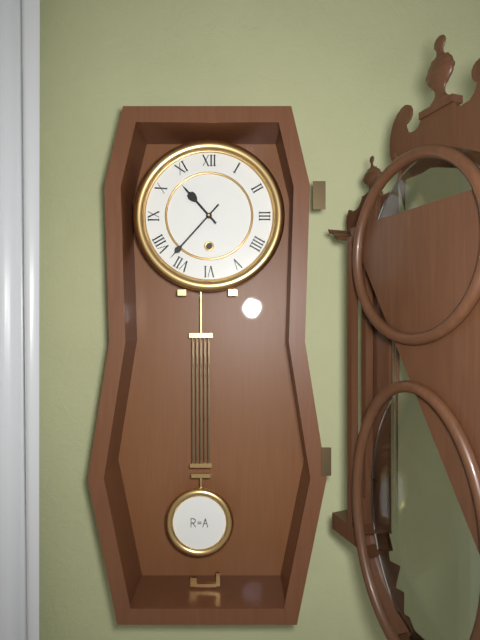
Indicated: 10 h 37 min
